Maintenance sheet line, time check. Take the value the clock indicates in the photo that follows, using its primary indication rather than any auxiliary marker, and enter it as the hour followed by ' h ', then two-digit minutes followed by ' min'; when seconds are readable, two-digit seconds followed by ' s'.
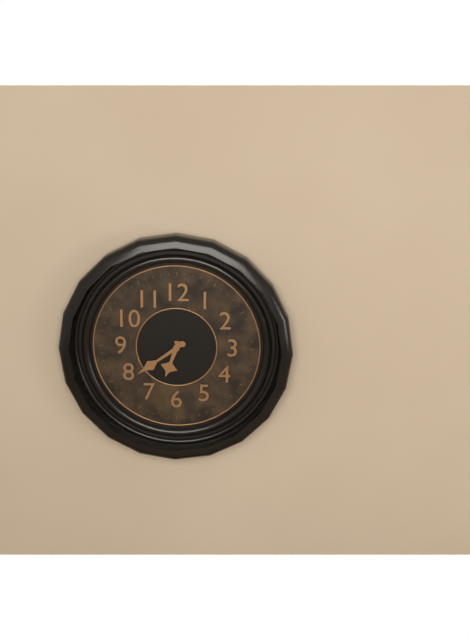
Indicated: 6 h 39 min
